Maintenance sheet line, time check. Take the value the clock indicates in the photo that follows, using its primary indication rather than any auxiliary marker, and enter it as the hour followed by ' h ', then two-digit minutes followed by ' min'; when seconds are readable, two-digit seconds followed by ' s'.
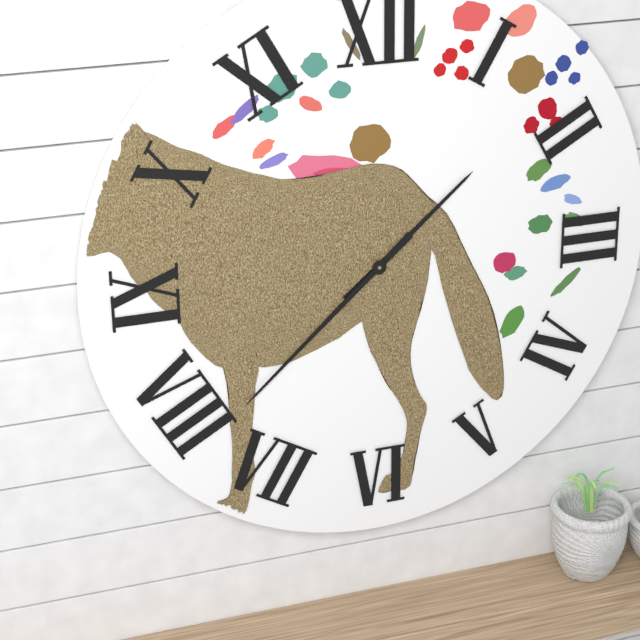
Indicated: 1 h 38 min
